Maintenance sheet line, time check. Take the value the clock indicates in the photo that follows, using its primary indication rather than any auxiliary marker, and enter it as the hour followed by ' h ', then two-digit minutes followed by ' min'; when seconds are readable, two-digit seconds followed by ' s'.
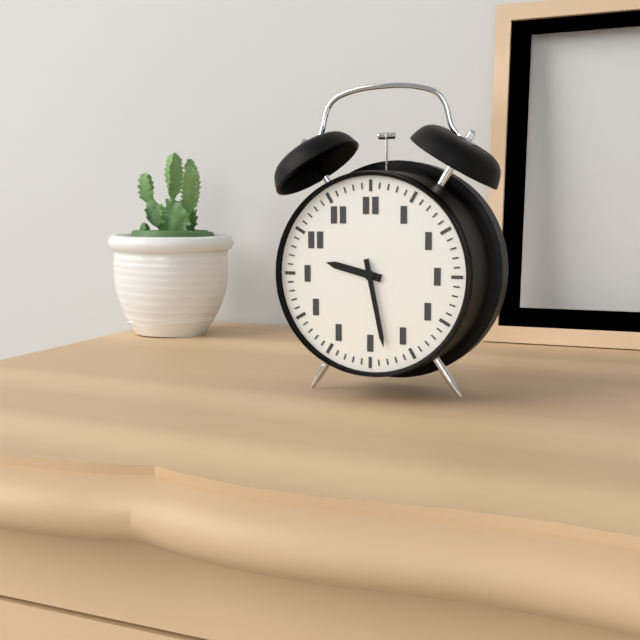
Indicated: 9 h 28 min
